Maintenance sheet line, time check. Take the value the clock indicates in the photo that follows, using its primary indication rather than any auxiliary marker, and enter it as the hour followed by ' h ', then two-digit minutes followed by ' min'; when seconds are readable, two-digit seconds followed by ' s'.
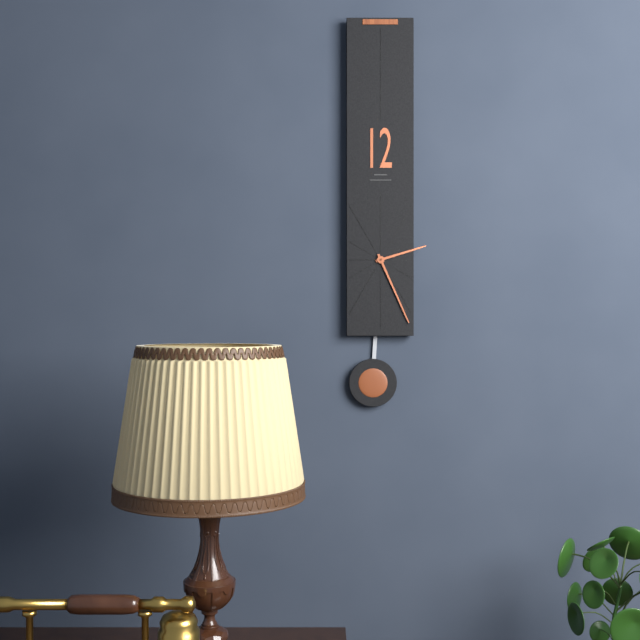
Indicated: 2 h 26 min
